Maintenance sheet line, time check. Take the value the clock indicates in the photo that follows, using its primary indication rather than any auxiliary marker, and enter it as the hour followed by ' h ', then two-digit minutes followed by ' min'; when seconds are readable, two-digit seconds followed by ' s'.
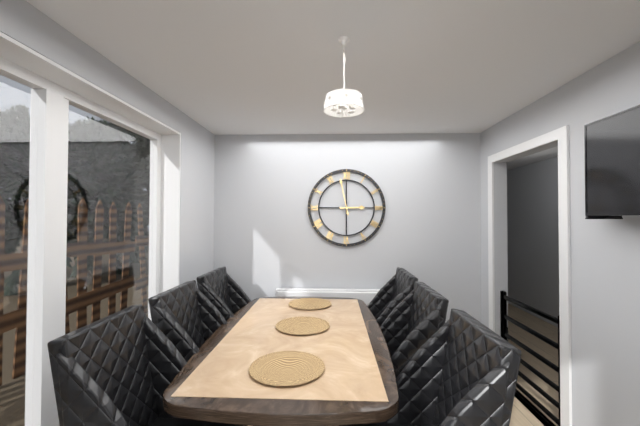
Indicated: 2 h 58 min
